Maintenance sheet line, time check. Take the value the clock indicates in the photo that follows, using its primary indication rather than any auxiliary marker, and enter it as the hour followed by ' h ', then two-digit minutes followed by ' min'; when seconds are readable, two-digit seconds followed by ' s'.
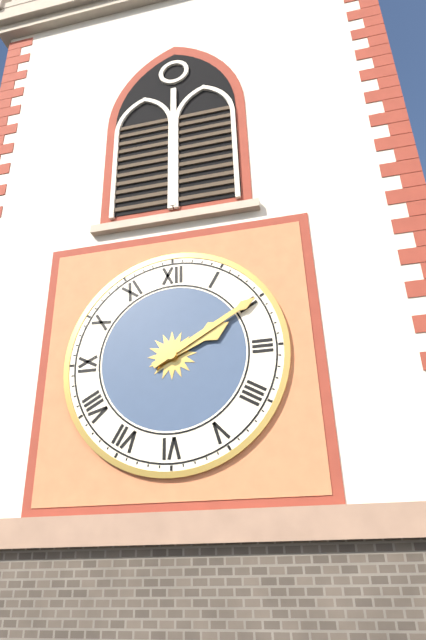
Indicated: 2 h 10 min
